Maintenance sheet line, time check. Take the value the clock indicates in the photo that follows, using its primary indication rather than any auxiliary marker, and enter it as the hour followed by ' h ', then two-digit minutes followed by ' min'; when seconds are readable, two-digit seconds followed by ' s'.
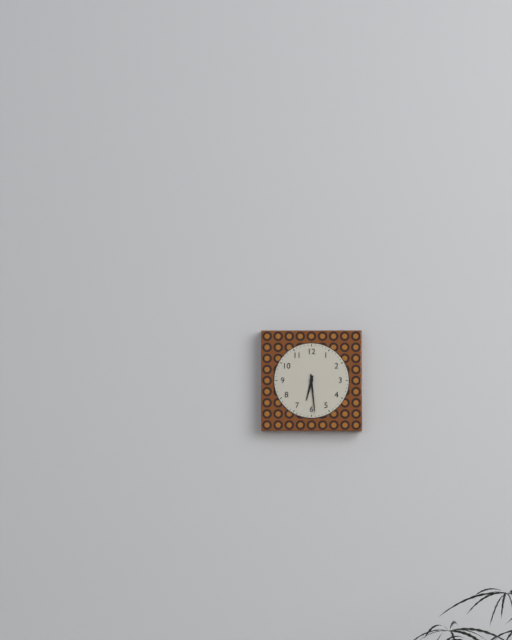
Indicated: 6 h 29 min
